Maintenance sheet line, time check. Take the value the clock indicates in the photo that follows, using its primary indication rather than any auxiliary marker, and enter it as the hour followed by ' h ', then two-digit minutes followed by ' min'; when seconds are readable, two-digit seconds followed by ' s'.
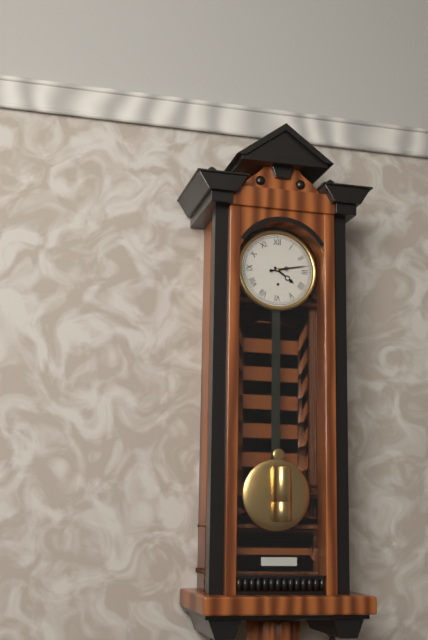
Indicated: 4 h 13 min
